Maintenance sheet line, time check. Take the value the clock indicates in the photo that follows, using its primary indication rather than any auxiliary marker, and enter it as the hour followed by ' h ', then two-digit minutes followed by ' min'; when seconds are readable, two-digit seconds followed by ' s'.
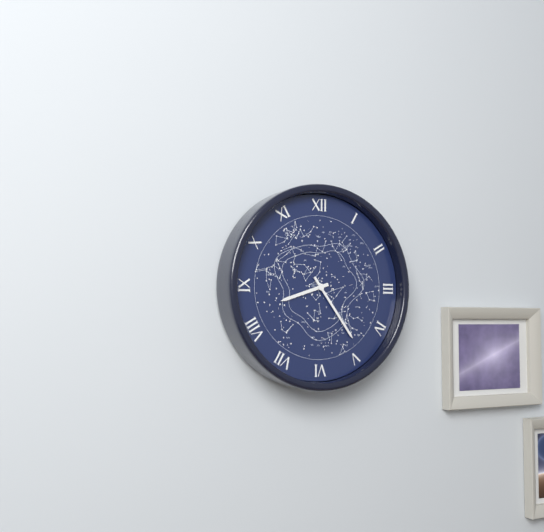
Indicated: 8 h 24 min
